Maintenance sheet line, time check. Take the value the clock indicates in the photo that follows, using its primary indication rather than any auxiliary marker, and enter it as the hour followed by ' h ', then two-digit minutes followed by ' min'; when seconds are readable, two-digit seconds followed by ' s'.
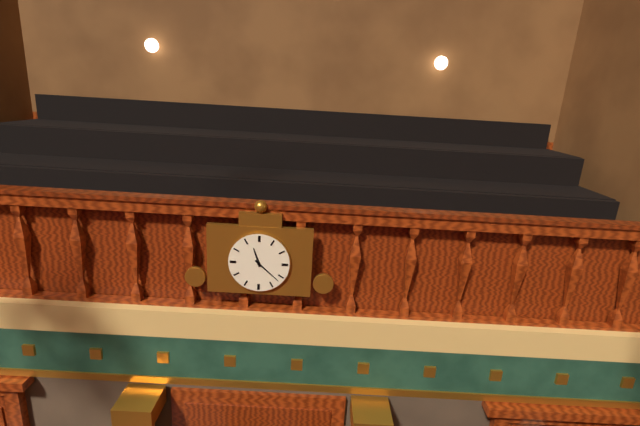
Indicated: 11 h 22 min
